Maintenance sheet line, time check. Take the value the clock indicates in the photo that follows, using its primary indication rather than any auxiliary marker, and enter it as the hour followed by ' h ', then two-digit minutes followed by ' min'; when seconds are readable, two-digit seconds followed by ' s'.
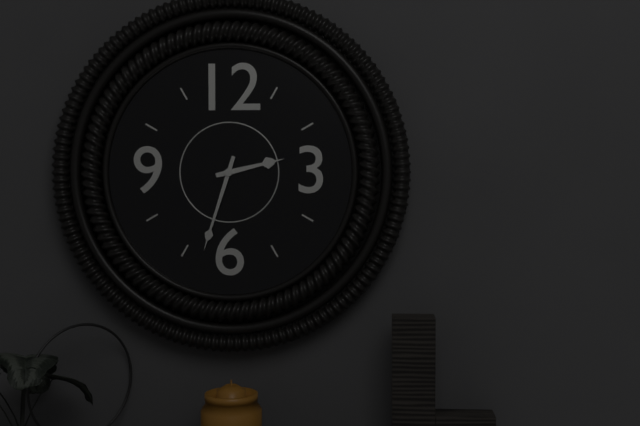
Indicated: 2 h 33 min
